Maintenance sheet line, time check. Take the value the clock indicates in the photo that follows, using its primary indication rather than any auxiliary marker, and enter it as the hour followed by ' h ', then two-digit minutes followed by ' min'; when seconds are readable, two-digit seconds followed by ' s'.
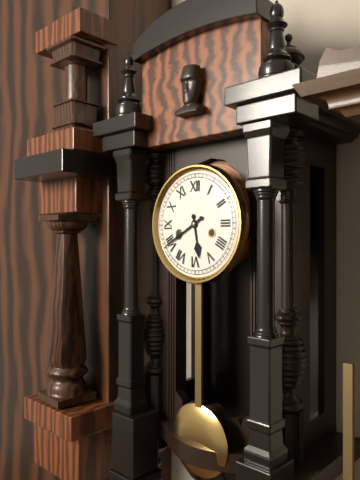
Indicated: 5 h 40 min
